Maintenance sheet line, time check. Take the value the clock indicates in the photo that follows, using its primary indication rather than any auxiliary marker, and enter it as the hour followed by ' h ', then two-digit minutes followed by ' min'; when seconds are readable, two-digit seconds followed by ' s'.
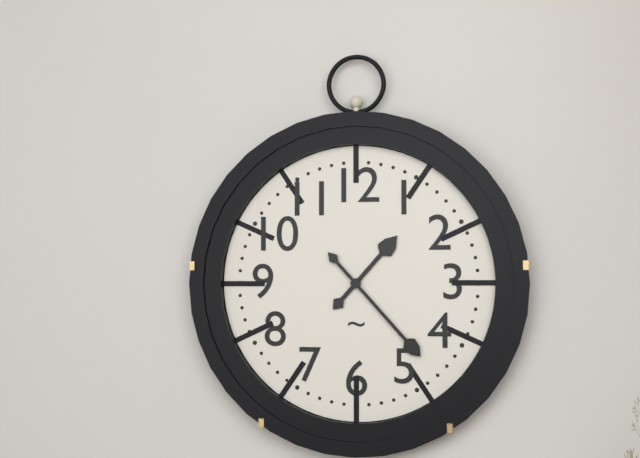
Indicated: 1 h 23 min
